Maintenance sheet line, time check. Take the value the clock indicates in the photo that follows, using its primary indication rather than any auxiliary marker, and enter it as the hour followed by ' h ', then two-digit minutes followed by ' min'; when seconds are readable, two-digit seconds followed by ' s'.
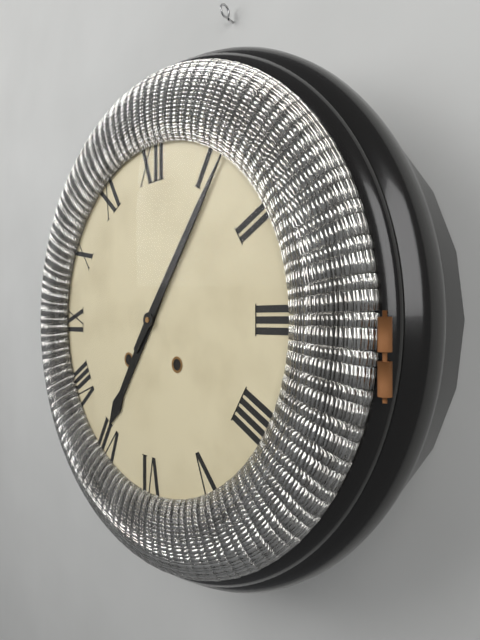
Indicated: 7 h 06 min
